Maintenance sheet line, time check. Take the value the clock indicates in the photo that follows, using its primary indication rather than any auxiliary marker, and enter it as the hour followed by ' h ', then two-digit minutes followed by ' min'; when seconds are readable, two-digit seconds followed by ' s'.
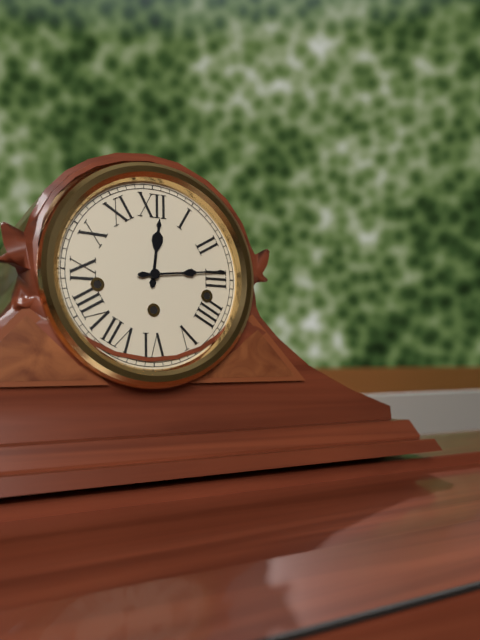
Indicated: 12 h 14 min
